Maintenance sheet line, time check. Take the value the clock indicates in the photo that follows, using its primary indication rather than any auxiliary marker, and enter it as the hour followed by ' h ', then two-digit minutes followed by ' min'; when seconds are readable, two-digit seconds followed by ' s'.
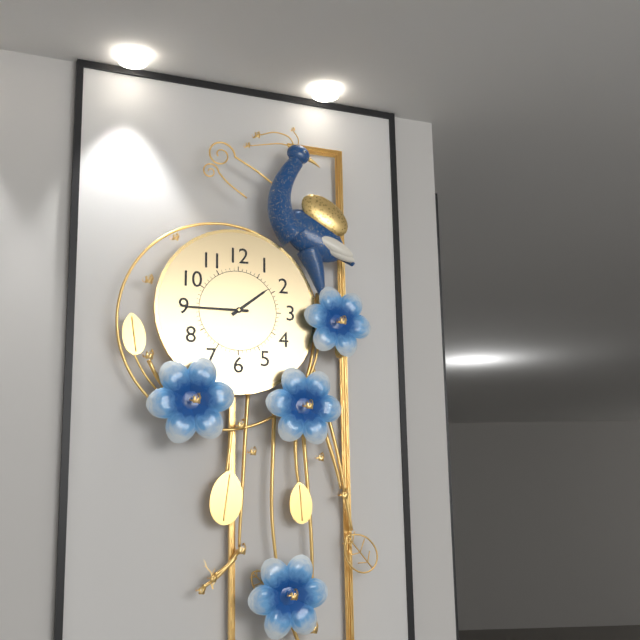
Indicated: 1 h 45 min
